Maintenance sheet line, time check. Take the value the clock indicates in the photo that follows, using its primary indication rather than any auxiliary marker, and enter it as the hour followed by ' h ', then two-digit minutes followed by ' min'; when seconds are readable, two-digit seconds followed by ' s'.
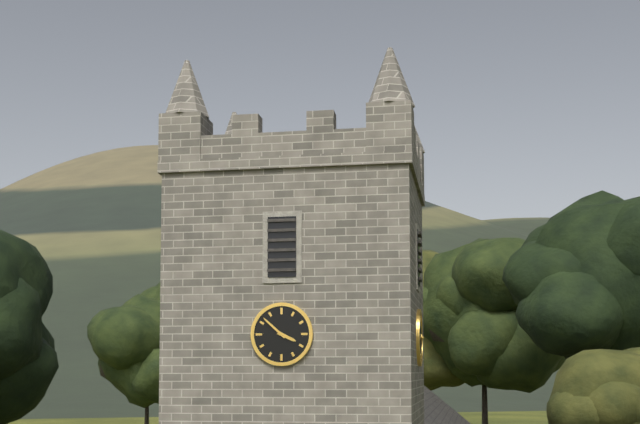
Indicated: 3 h 52 min
